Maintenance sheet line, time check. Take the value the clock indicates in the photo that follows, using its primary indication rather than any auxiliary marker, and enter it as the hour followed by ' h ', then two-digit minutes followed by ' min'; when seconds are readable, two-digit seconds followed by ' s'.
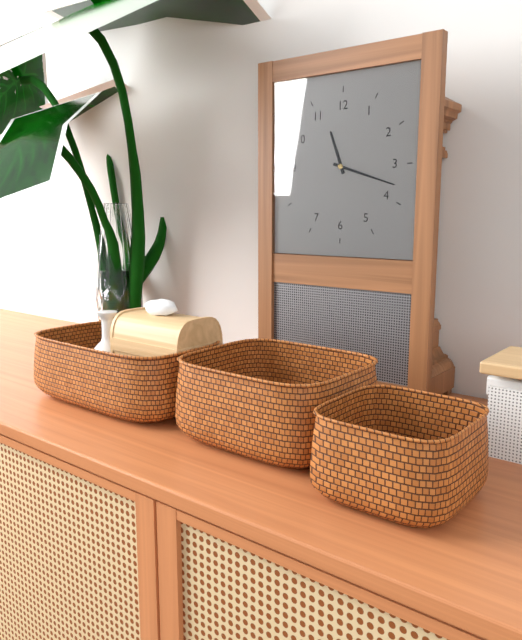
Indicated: 11 h 18 min
